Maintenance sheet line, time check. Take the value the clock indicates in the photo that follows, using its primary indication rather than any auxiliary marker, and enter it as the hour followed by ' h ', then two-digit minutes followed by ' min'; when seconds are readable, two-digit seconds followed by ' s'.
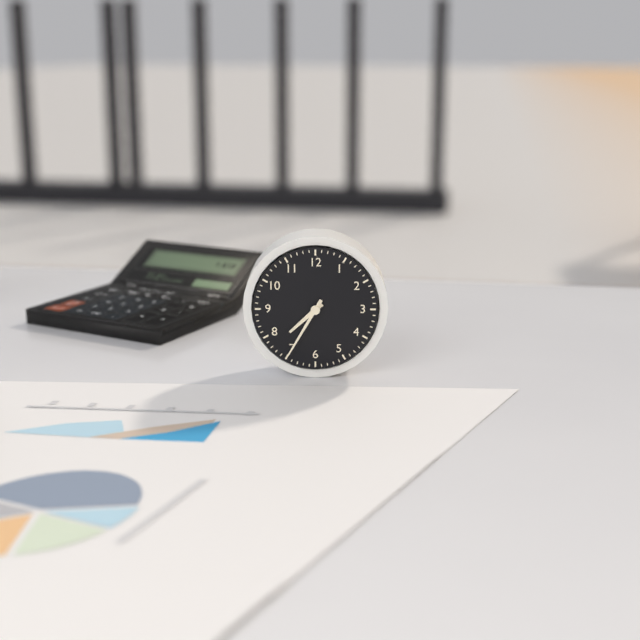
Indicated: 7 h 35 min
